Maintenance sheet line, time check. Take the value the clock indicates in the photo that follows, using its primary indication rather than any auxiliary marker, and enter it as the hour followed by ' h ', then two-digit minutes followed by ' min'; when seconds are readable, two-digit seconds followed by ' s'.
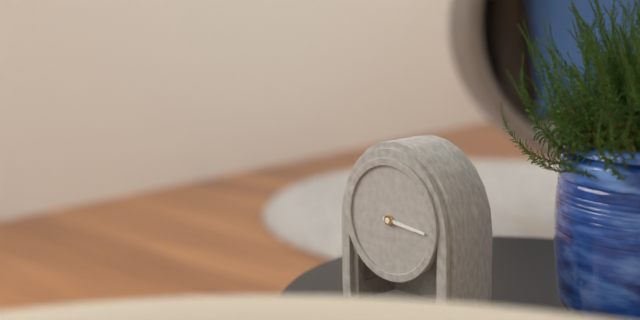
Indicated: 3 h 16 min
